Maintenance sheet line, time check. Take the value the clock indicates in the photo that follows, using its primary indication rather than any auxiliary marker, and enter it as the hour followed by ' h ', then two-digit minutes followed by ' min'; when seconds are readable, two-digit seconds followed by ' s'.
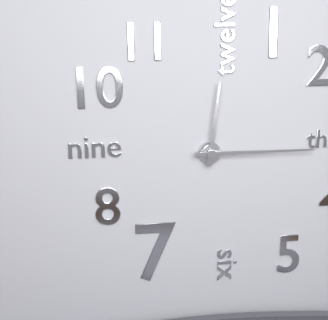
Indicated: 12 h 15 min
